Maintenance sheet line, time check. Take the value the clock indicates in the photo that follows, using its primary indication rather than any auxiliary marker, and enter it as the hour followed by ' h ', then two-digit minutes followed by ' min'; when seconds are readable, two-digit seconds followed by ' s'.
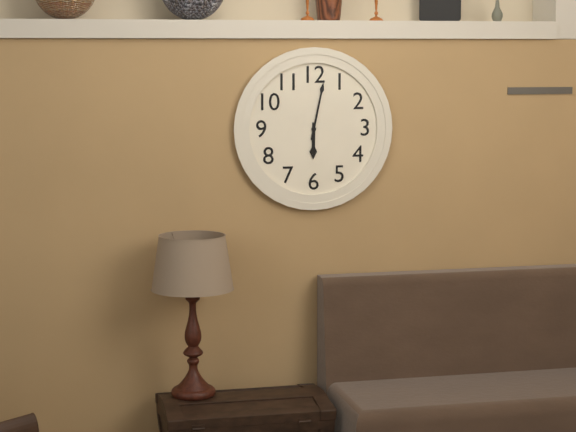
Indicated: 6 h 02 min
